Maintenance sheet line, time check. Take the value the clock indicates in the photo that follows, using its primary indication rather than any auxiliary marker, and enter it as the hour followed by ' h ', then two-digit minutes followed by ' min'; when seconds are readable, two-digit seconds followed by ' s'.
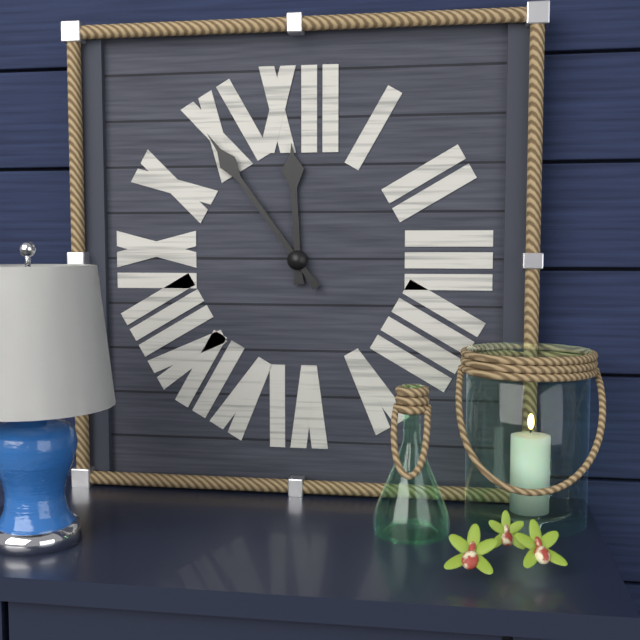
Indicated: 11 h 54 min
